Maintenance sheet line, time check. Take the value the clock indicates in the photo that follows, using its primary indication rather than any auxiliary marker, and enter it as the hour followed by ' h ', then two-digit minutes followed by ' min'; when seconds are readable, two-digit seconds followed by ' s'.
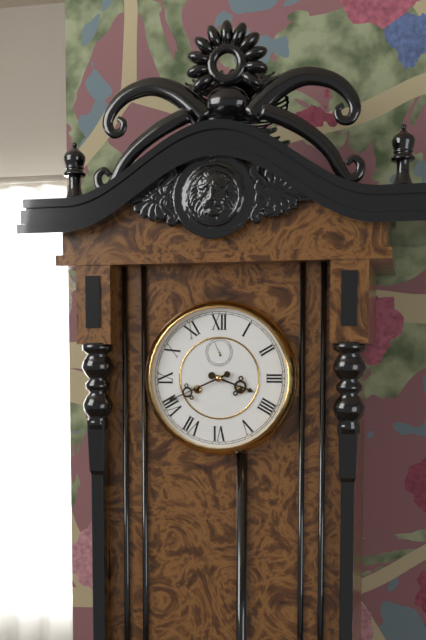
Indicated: 3 h 41 min
